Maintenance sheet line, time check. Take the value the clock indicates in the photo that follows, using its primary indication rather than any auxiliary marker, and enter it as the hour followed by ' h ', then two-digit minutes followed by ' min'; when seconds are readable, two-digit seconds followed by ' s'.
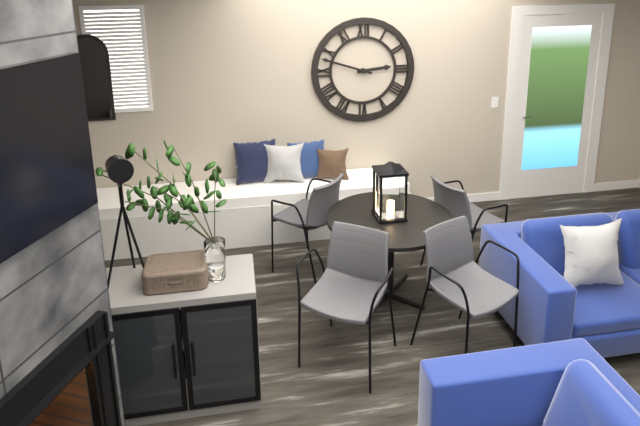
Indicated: 2 h 48 min
